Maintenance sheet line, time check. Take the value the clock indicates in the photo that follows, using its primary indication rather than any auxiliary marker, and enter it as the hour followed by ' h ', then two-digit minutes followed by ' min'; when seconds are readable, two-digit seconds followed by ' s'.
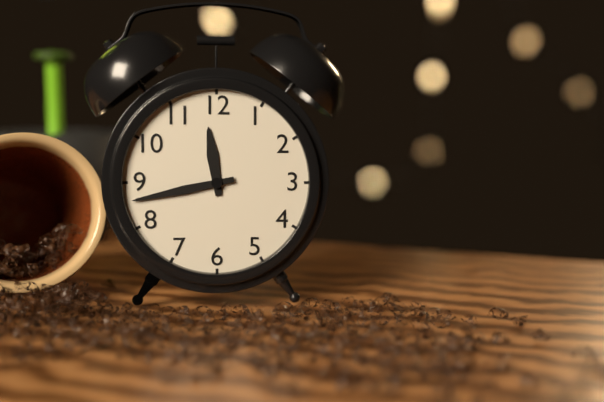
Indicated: 11 h 43 min
